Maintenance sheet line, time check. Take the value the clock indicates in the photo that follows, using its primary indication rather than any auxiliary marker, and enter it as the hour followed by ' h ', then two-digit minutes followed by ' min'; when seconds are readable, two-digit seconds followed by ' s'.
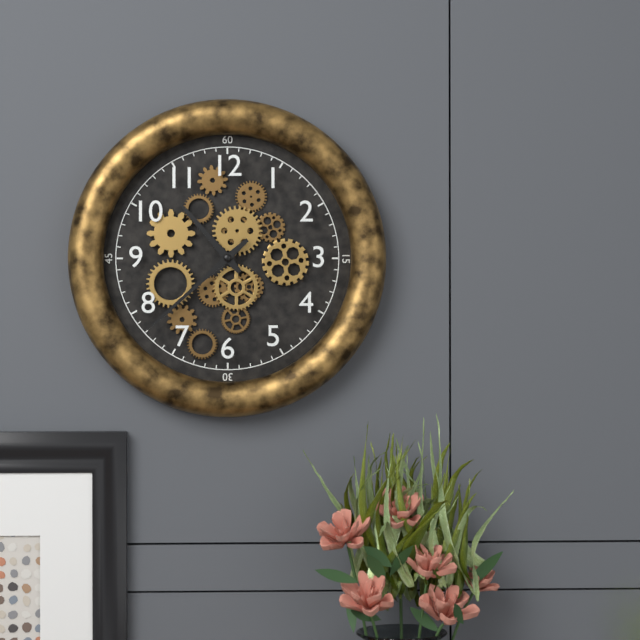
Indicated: 10 h 38 min
